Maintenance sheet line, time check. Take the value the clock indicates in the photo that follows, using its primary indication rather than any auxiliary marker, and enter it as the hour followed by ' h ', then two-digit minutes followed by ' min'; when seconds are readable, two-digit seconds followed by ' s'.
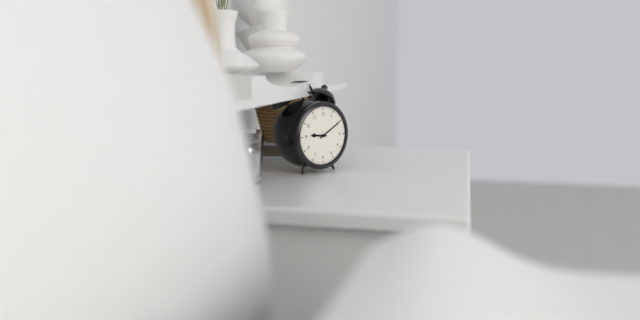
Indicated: 9 h 10 min
